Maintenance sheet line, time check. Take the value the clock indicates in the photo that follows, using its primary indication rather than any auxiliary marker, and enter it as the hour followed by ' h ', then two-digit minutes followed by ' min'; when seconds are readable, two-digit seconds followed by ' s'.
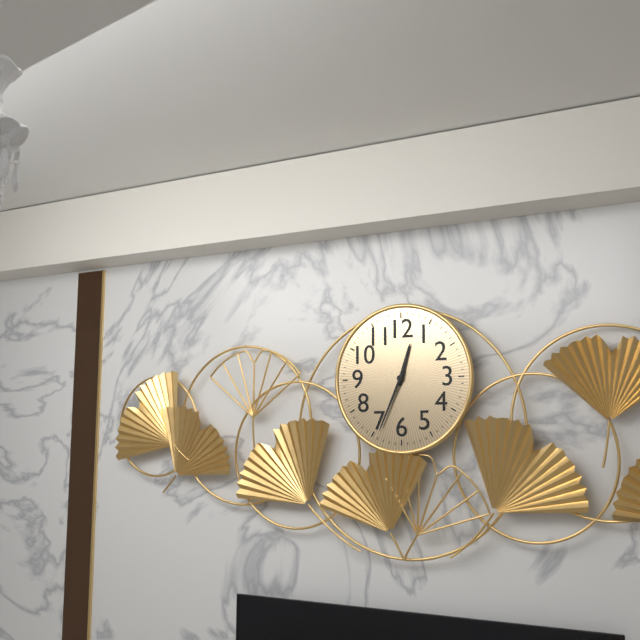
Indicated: 12 h 34 min
